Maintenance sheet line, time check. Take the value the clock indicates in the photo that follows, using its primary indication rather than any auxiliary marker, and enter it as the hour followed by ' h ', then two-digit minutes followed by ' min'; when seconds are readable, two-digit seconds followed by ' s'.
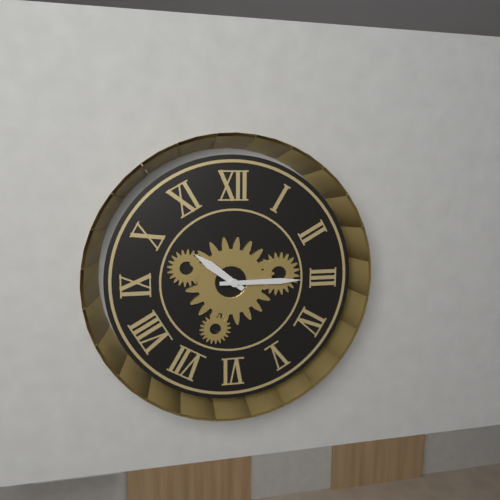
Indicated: 10 h 15 min
